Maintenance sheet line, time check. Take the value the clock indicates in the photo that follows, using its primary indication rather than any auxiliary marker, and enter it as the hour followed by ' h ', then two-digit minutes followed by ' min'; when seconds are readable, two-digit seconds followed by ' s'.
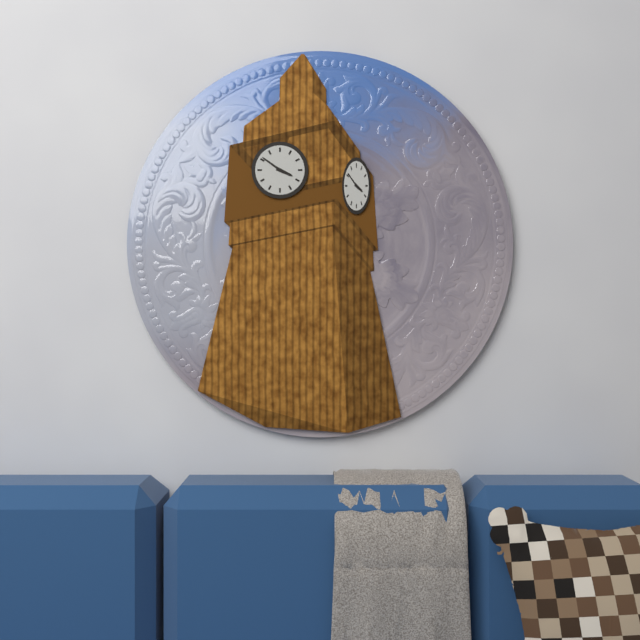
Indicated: 3 h 51 min
